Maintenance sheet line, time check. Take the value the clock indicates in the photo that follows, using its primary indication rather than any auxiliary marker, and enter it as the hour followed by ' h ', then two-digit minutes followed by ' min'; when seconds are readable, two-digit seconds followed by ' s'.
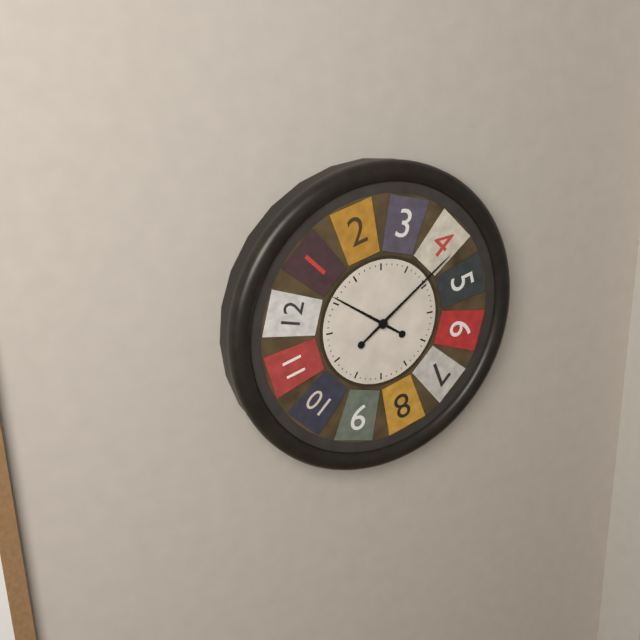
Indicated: 10 h 09 min
